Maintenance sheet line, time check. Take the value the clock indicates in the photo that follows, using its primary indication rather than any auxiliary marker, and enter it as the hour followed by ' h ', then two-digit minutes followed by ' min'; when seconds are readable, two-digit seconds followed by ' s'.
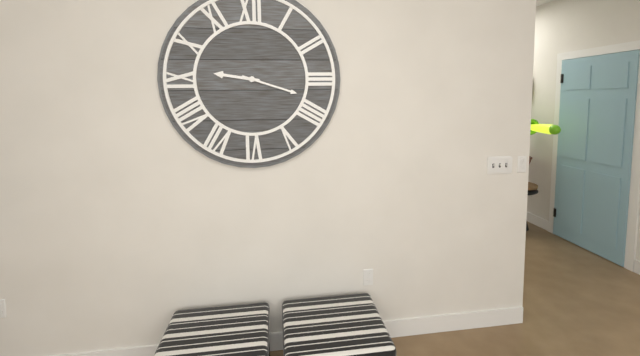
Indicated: 9 h 18 min
